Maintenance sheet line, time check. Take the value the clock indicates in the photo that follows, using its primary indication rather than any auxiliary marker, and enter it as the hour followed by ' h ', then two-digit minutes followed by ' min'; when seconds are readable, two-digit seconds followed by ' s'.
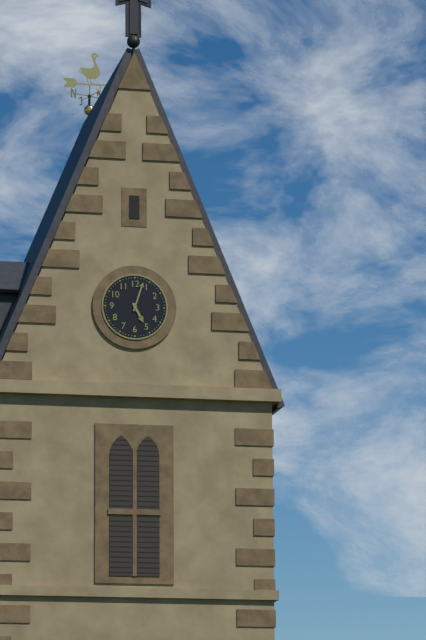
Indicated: 5 h 03 min
